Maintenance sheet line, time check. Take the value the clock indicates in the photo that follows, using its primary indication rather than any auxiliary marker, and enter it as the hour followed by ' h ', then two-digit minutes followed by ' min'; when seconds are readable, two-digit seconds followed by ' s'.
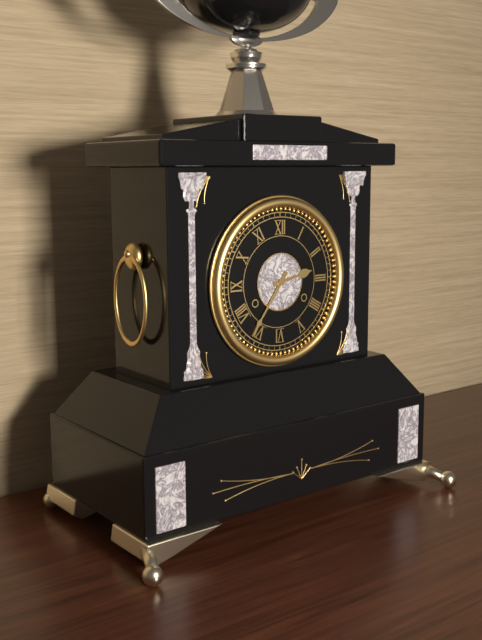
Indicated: 2 h 36 min
